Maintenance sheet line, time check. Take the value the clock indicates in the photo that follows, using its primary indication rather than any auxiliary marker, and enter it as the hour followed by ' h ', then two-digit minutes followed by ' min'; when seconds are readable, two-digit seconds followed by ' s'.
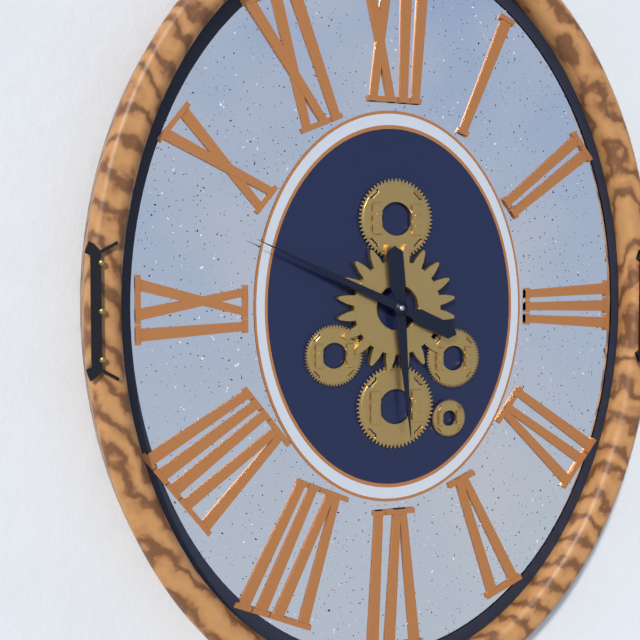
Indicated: 5 h 49 min
